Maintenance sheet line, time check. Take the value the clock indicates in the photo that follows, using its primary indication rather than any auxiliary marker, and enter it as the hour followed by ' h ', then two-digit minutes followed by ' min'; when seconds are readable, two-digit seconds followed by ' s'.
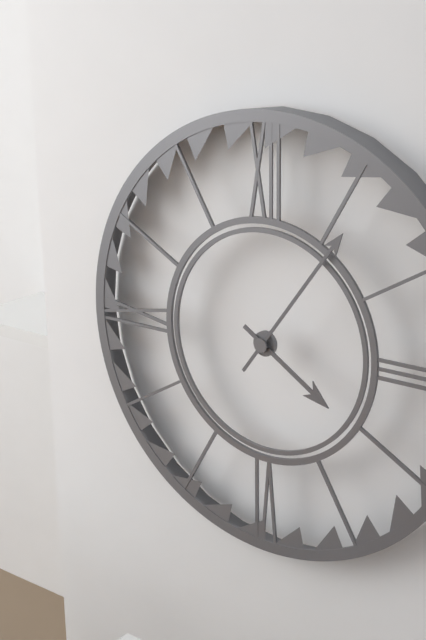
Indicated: 4 h 06 min
